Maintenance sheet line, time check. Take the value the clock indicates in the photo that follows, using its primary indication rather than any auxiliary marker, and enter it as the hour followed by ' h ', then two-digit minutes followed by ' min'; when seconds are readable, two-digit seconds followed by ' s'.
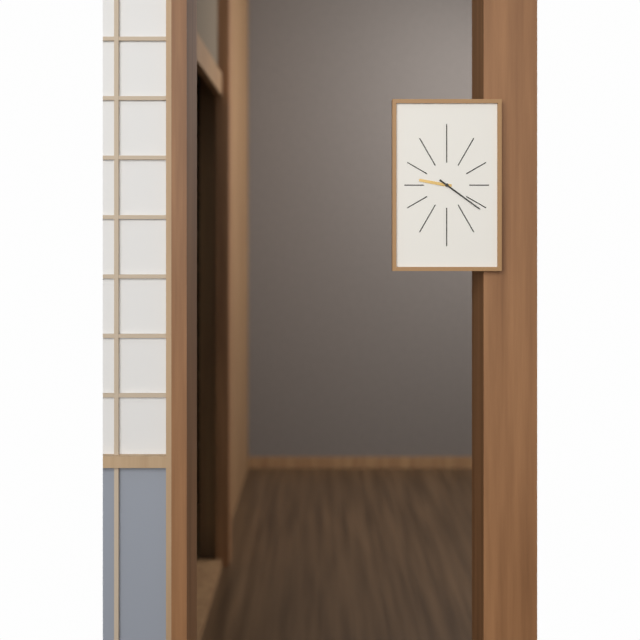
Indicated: 9 h 21 min
